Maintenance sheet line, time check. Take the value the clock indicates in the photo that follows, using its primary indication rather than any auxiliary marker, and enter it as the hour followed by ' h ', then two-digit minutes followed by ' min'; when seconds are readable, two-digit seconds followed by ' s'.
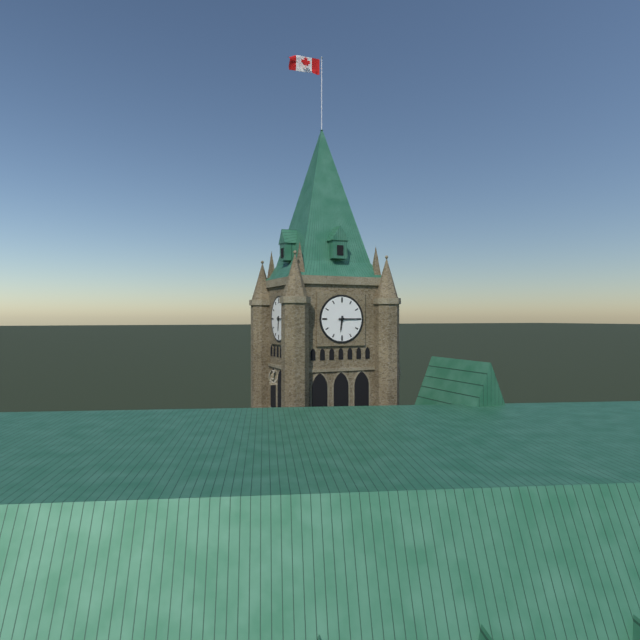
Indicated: 6 h 15 min
